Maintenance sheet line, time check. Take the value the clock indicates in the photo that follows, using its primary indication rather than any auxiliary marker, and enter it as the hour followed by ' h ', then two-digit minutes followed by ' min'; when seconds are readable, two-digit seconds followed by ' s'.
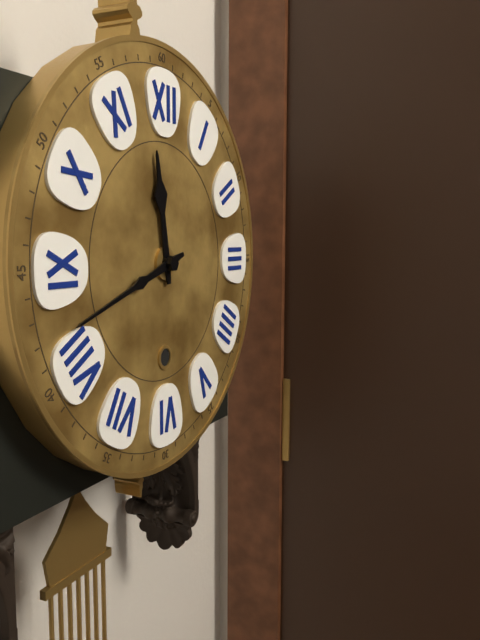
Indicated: 11 h 42 min
